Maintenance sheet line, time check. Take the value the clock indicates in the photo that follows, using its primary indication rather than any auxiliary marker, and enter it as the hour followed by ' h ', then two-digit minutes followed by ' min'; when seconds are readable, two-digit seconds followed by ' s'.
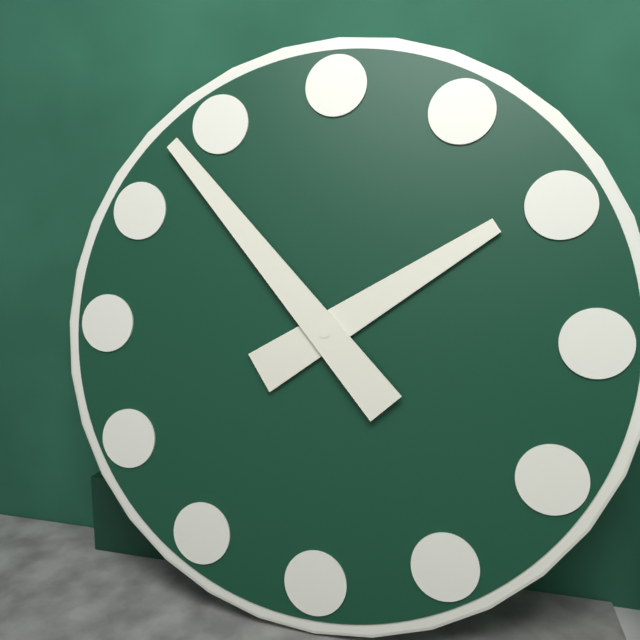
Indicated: 1 h 53 min
